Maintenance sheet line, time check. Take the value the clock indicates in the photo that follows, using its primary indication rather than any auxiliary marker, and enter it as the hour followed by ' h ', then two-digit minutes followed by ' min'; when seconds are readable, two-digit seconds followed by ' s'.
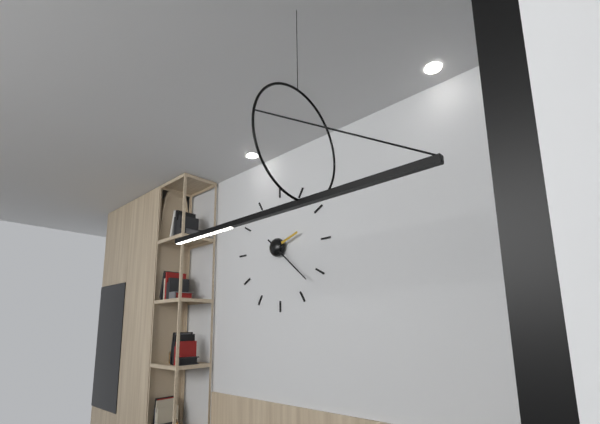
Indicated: 2 h 22 min
